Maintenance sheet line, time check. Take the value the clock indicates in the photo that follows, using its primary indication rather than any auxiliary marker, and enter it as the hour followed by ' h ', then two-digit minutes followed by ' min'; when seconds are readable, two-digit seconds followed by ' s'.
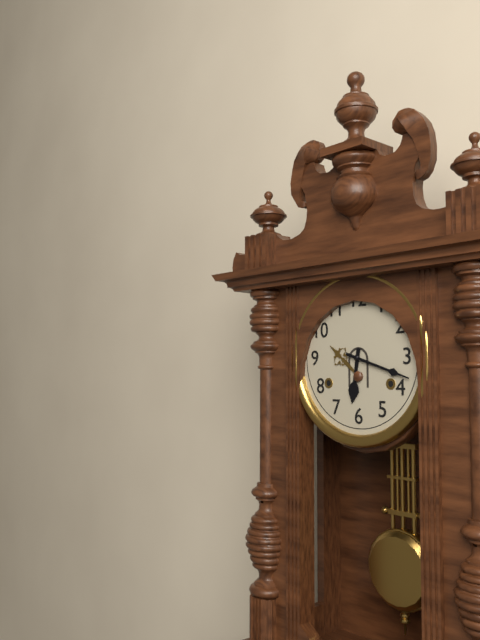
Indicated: 6 h 18 min
